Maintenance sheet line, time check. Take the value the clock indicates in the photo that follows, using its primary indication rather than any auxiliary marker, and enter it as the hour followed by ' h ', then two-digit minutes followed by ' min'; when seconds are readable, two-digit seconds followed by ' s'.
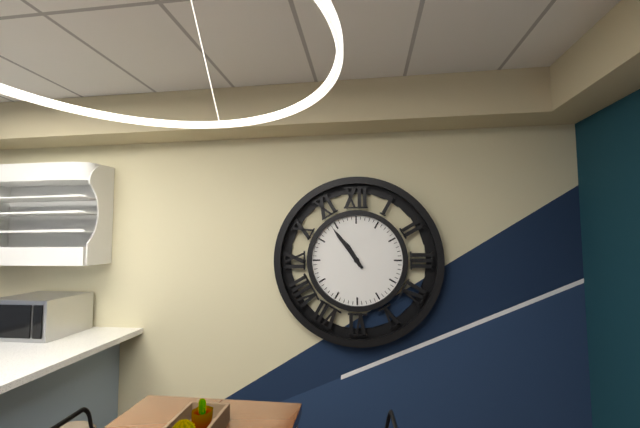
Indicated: 10 h 54 min
